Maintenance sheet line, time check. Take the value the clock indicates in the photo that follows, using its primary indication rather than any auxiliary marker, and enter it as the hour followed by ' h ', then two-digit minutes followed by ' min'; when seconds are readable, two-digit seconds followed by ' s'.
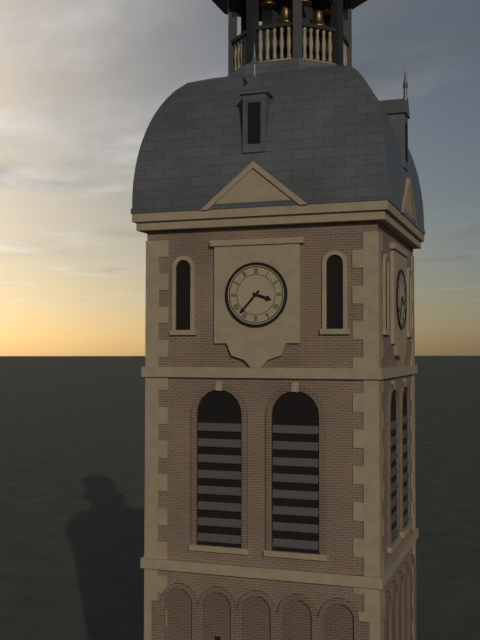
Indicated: 3 h 37 min
